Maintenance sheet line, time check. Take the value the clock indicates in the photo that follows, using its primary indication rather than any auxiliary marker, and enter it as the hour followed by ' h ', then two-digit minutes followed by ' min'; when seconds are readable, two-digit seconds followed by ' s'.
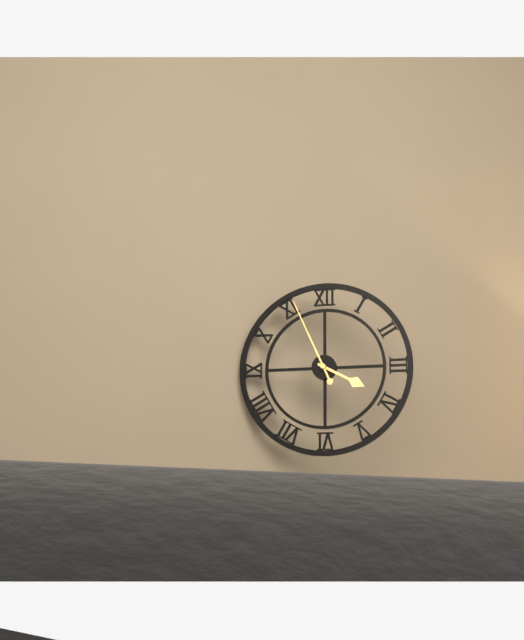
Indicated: 3 h 56 min
